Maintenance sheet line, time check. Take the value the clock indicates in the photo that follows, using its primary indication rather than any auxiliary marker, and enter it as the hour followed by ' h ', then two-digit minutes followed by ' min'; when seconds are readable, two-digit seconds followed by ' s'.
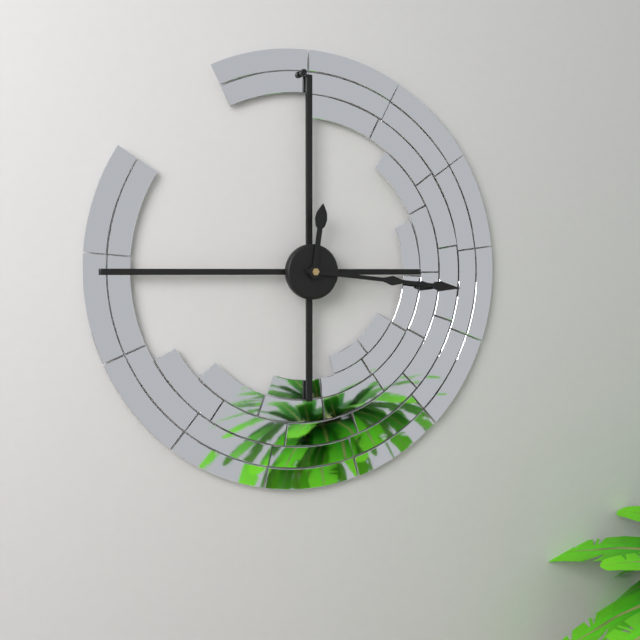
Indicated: 12 h 16 min
